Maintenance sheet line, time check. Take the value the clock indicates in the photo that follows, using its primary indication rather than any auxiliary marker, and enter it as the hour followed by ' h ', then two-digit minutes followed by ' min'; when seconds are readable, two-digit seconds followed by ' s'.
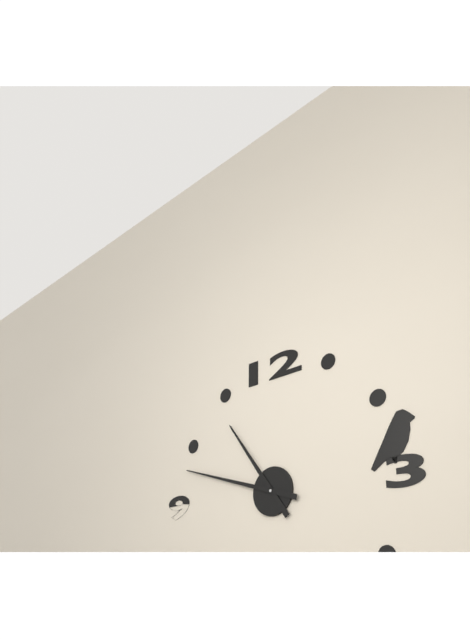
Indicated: 10 h 48 min
